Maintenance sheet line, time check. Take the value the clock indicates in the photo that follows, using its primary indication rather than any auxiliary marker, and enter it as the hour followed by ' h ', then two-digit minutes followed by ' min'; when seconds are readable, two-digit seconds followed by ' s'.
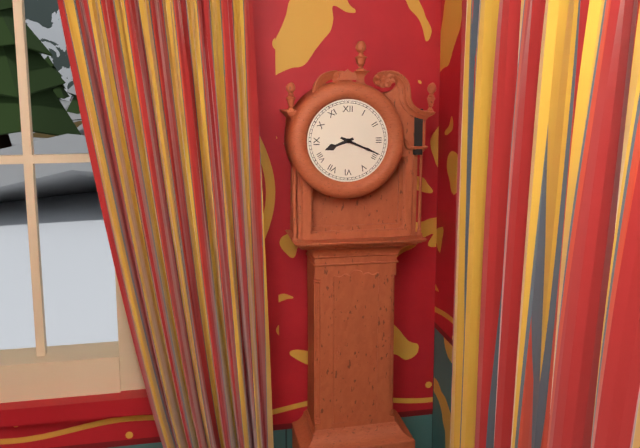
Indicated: 8 h 19 min
